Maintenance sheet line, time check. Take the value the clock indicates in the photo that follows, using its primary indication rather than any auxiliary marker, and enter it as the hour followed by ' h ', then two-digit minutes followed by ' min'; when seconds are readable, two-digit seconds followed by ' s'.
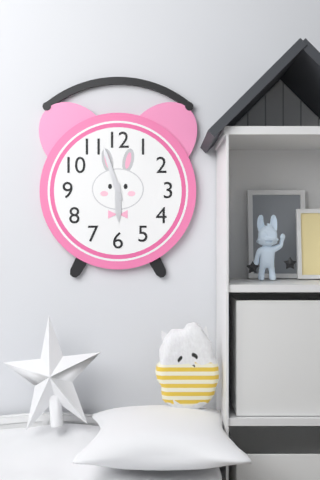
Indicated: 5 h 57 min
